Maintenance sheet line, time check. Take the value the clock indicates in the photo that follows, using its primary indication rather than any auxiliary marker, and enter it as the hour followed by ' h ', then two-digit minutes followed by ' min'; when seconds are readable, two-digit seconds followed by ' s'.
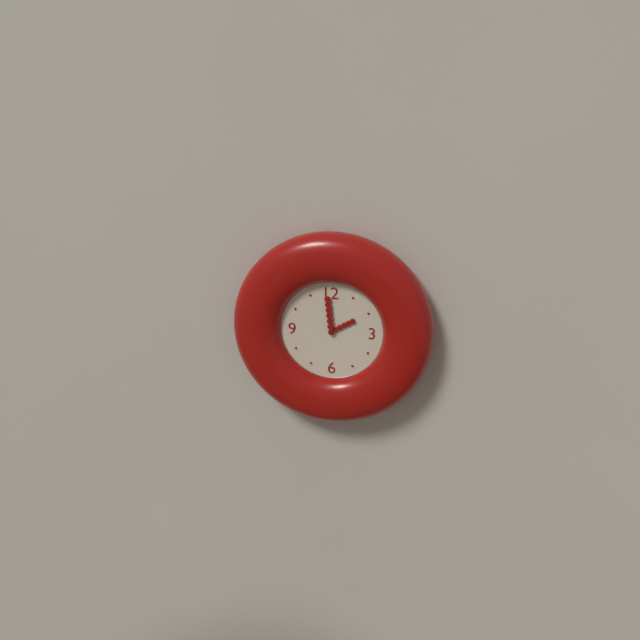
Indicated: 1 h 59 min
